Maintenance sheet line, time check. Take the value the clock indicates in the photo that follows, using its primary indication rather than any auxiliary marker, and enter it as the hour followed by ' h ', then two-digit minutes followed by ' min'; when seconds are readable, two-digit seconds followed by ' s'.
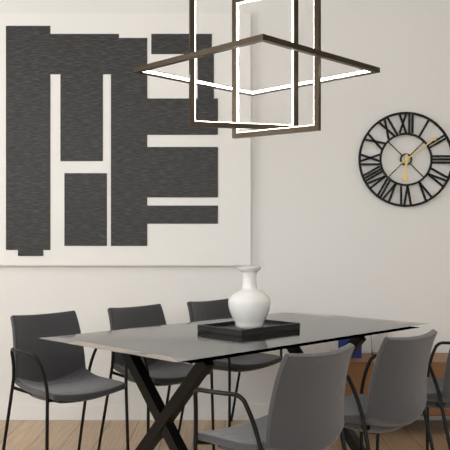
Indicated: 6 h 09 min
